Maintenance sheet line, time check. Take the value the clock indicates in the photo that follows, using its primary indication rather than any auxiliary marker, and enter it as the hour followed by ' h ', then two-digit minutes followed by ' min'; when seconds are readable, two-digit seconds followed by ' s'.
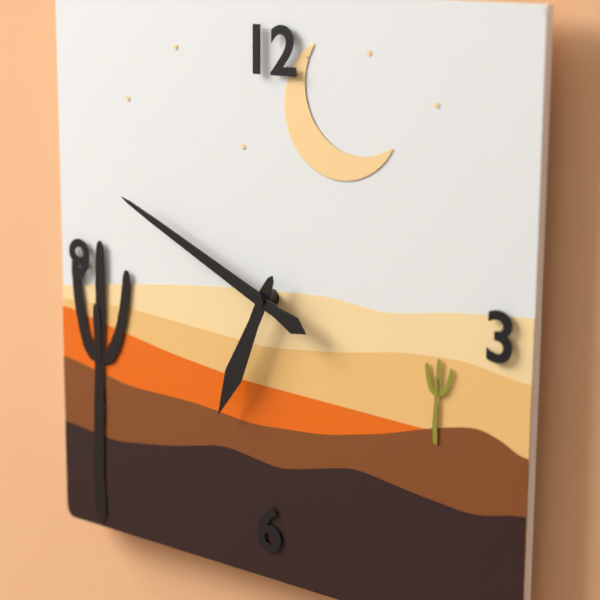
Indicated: 6 h 49 min
